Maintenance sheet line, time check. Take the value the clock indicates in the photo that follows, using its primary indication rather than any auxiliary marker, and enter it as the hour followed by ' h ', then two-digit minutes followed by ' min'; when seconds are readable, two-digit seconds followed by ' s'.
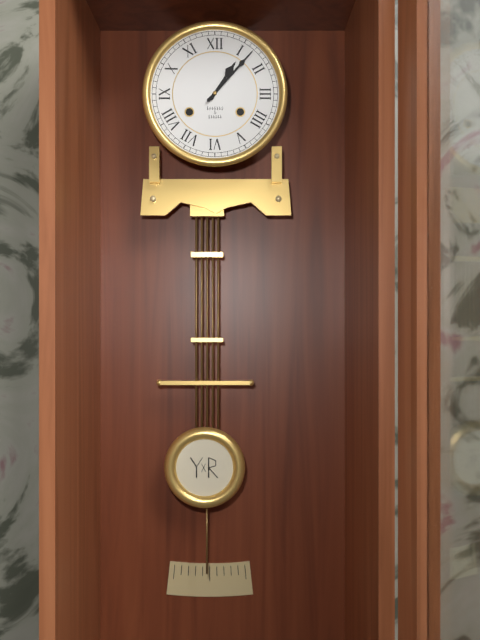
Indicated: 1 h 07 min
